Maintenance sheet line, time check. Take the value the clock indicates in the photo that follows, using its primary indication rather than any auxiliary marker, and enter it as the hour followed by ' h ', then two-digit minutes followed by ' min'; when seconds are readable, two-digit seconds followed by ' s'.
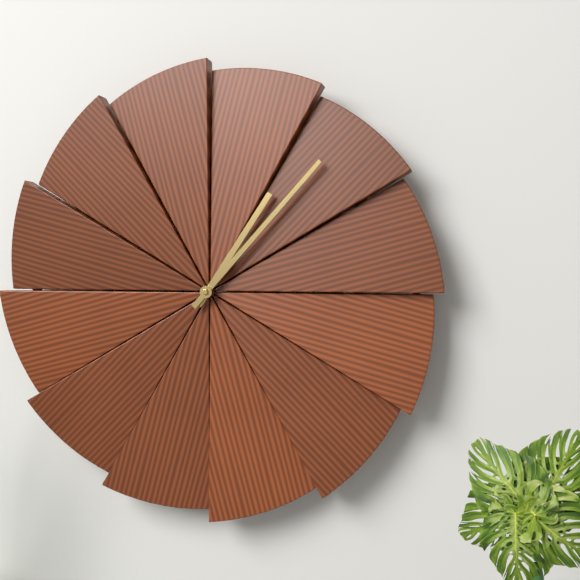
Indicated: 1 h 07 min
